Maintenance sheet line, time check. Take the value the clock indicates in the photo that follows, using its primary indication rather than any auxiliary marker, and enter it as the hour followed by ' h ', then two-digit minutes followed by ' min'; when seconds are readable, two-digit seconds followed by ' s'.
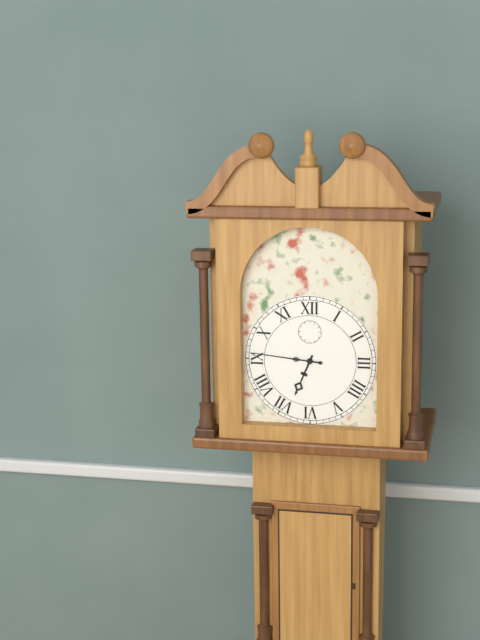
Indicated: 6 h 46 min
